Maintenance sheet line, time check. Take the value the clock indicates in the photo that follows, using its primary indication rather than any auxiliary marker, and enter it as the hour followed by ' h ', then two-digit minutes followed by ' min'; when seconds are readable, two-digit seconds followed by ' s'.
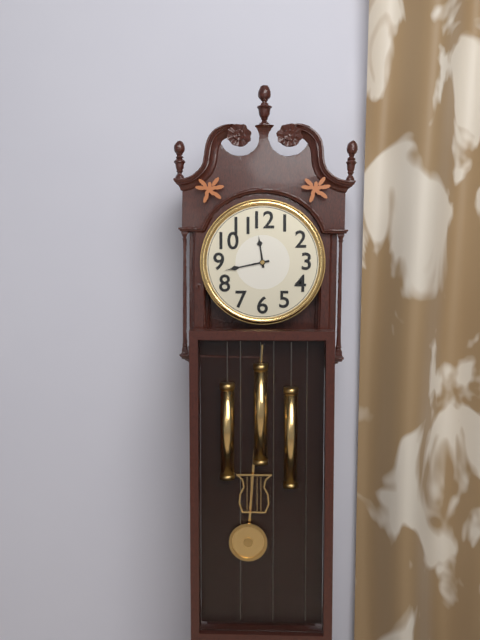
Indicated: 11 h 43 min
